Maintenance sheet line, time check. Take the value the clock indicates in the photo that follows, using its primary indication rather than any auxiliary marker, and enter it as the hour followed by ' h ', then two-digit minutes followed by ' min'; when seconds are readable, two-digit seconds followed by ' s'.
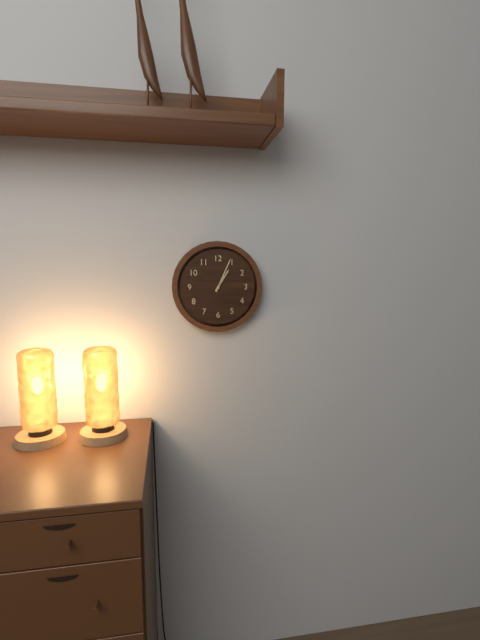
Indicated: 1 h 04 min
